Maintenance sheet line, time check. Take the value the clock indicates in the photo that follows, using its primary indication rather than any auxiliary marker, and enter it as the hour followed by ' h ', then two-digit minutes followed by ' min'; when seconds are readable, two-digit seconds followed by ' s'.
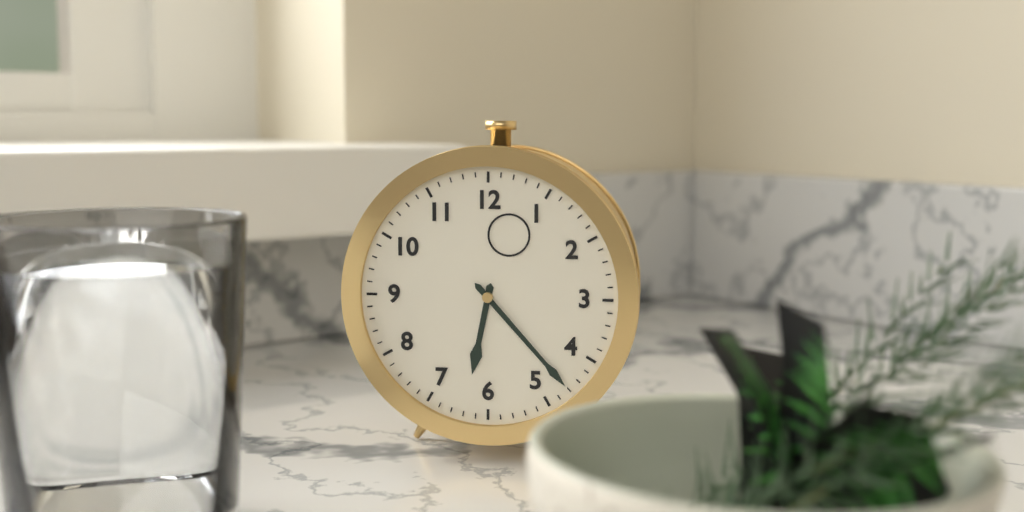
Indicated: 6 h 23 min
